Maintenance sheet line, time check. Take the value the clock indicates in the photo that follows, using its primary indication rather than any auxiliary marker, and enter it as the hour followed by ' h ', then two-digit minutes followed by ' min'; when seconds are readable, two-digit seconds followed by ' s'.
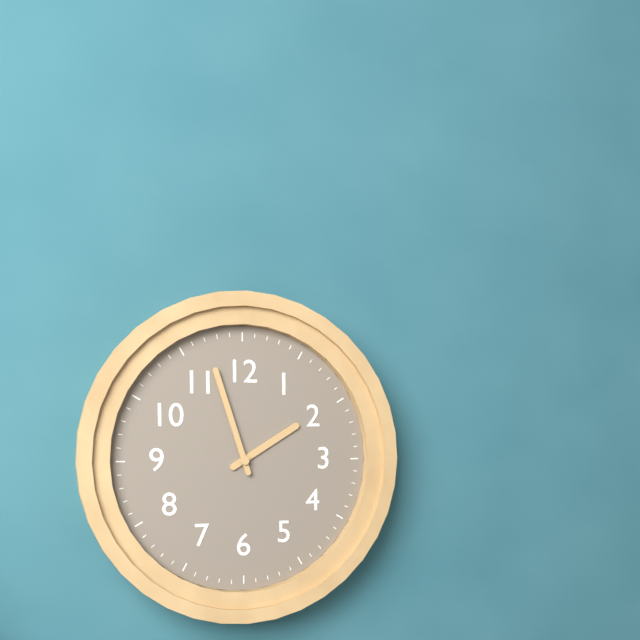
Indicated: 1 h 57 min
